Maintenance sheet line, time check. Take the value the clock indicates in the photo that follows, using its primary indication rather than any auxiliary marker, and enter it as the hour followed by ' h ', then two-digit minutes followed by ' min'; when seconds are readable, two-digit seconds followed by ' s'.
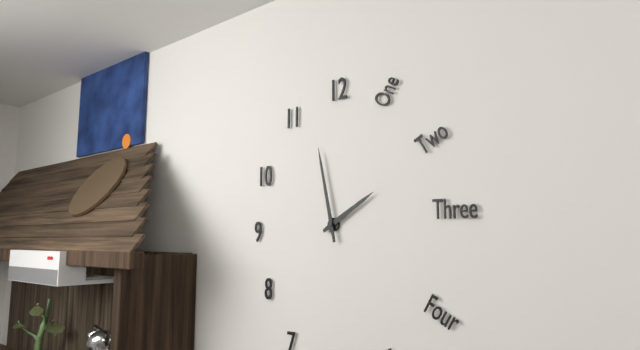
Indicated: 1 h 58 min
